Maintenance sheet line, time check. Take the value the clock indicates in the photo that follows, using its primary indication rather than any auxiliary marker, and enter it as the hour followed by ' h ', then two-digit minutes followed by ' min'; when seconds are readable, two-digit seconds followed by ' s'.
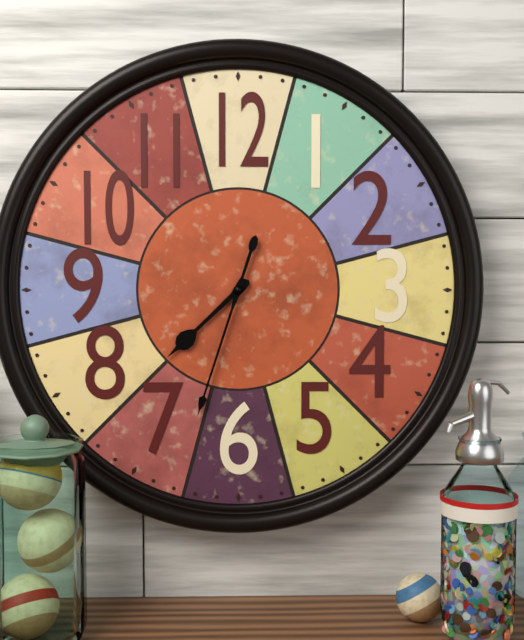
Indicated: 7 h 33 min
